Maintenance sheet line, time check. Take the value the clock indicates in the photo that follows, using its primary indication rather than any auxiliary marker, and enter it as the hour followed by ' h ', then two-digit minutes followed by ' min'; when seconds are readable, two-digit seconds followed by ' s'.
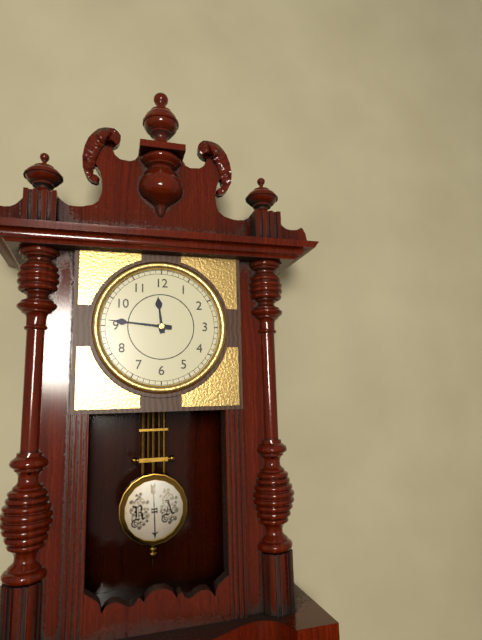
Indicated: 11 h 46 min
